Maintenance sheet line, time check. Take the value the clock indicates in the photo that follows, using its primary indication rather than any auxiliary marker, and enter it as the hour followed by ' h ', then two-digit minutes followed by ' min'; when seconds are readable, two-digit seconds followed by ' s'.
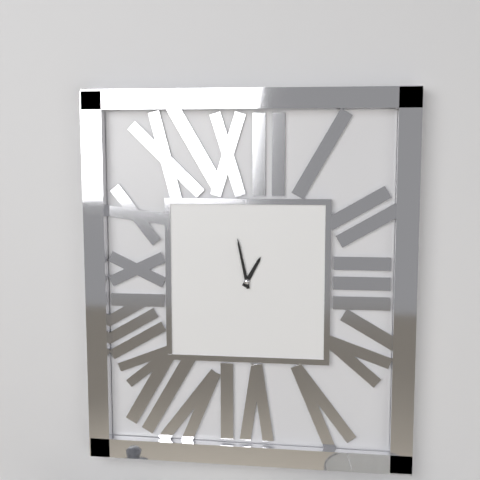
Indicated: 12 h 58 min
